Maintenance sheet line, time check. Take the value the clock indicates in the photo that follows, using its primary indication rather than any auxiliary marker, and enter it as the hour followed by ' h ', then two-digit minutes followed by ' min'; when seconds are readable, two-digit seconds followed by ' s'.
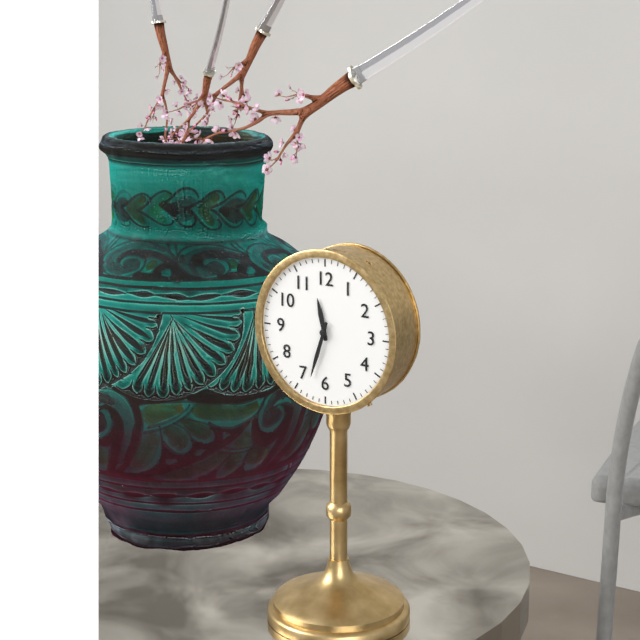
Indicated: 11 h 33 min
